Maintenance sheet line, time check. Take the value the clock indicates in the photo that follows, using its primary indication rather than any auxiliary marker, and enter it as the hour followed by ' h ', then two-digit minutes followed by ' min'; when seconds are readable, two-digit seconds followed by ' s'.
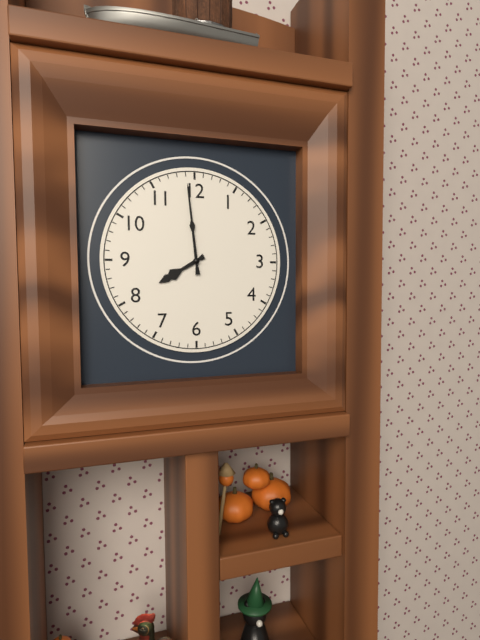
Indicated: 7 h 59 min
